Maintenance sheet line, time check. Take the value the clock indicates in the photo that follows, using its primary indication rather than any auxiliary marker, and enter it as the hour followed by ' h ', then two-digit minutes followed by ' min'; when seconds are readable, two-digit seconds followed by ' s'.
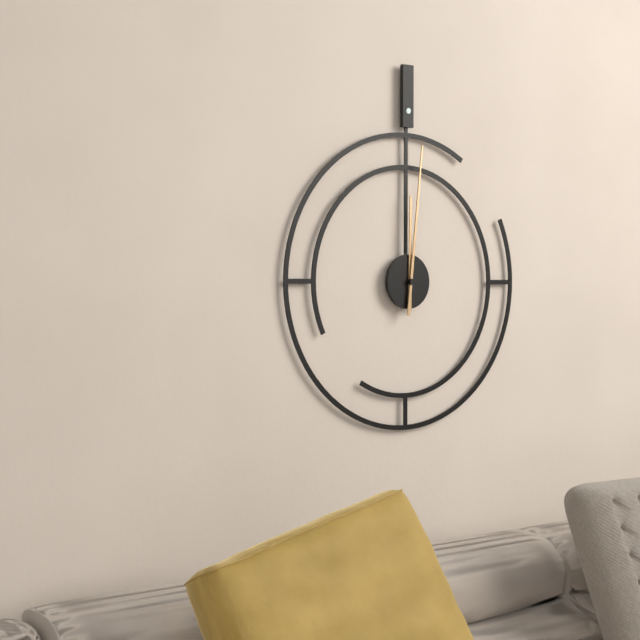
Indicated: 12 h 01 min
